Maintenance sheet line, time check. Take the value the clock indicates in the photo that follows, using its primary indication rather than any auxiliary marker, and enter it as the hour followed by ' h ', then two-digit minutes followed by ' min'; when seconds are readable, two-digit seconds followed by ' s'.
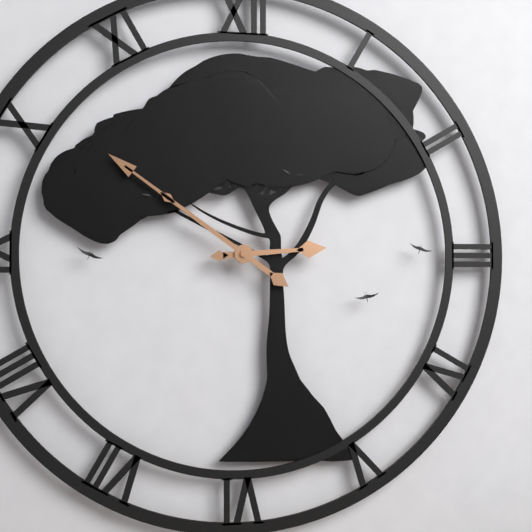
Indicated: 2 h 51 min
